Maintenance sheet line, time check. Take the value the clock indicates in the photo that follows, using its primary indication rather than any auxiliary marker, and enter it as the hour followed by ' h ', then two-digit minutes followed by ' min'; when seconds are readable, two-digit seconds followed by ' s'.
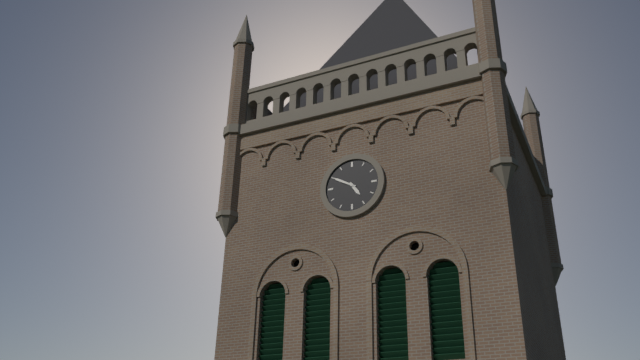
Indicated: 4 h 50 min
